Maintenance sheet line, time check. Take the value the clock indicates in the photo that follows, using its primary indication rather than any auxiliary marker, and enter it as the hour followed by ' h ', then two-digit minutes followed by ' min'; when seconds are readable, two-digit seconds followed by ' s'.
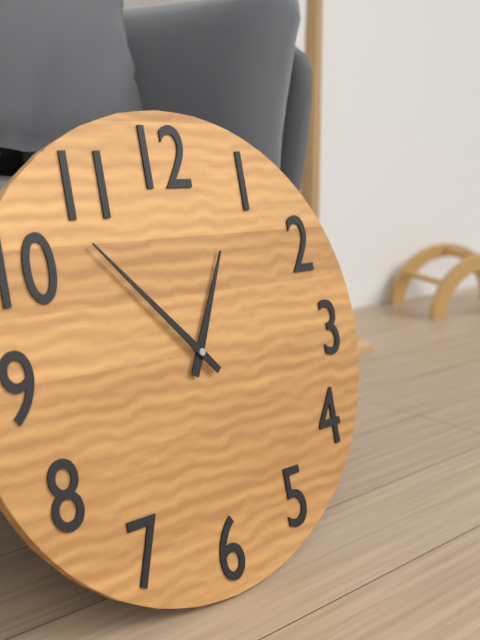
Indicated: 12 h 53 min
